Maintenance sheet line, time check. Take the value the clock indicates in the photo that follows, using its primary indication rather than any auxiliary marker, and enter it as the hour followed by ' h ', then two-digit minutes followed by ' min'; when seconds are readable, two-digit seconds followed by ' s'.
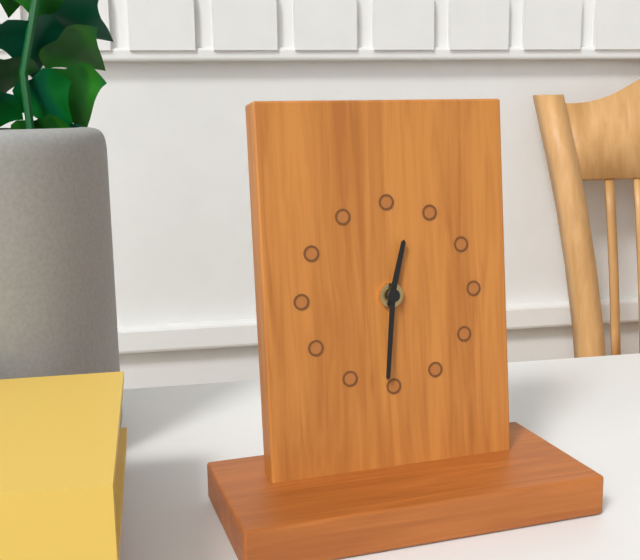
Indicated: 12 h 31 min
